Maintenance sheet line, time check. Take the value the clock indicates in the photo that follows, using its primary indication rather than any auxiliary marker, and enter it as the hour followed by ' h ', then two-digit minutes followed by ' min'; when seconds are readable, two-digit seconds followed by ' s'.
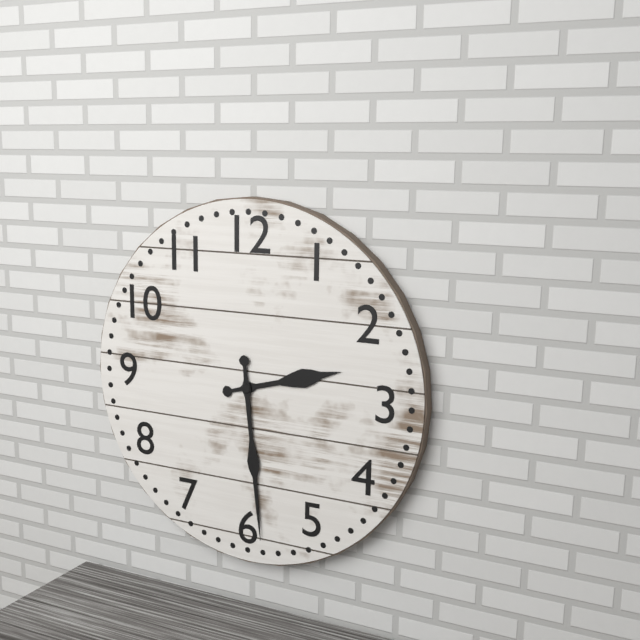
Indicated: 2 h 29 min
